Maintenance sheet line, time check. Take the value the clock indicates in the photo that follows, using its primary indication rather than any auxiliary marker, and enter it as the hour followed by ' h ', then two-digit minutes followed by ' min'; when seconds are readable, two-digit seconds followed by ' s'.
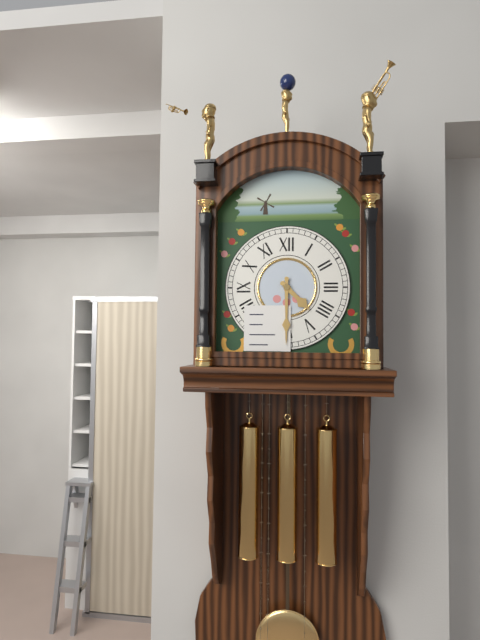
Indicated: 4 h 30 min
